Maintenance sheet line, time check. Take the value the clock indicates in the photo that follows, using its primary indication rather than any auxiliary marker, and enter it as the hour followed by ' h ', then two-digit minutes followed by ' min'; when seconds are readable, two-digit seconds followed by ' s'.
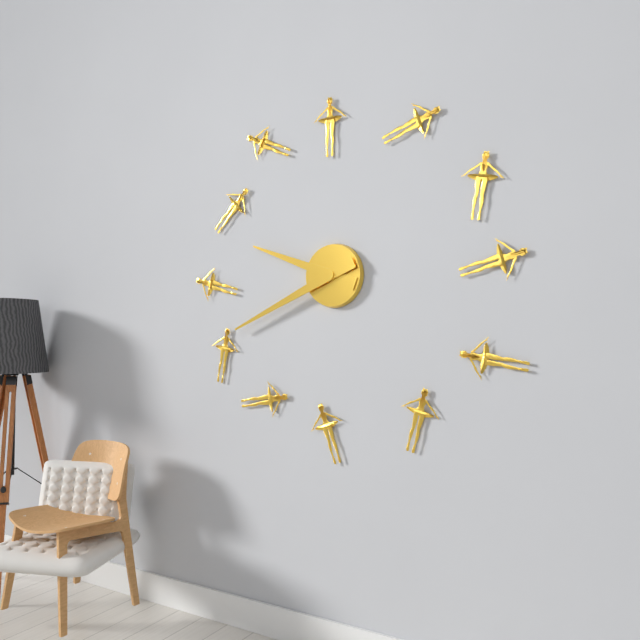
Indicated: 9 h 41 min
